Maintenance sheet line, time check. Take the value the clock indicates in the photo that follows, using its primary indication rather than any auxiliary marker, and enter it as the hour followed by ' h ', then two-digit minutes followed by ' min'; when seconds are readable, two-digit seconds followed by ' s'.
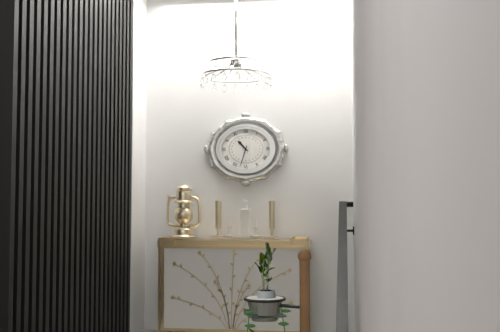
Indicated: 10 h 33 min
